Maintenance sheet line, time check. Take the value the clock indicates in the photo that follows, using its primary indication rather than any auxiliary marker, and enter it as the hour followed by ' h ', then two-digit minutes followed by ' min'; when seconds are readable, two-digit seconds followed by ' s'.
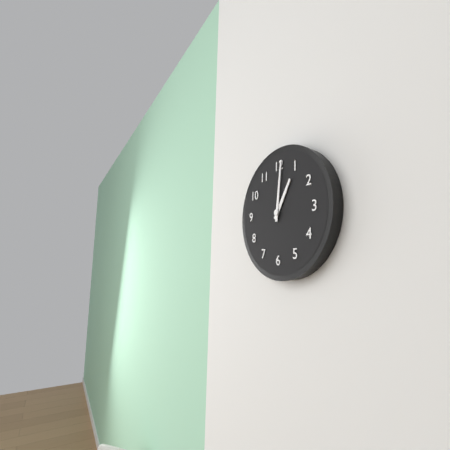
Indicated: 1 h 01 min
